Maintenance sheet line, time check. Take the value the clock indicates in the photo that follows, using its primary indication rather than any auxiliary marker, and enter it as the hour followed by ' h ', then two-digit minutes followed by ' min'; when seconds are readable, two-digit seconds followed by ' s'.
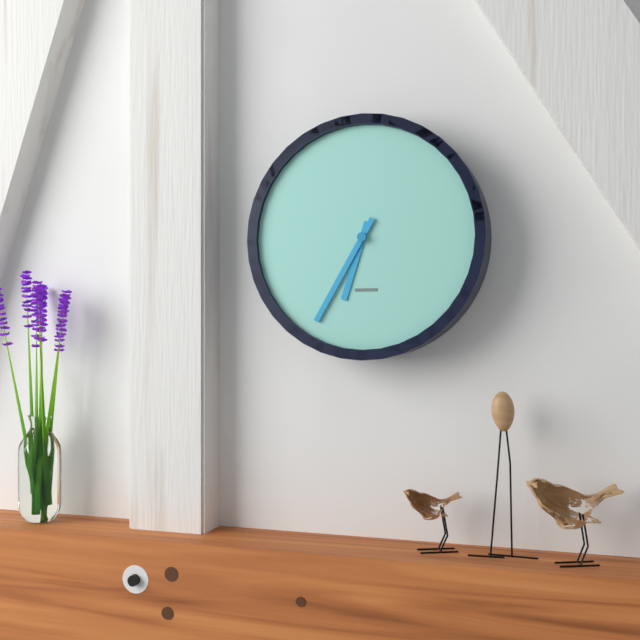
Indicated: 6 h 35 min
